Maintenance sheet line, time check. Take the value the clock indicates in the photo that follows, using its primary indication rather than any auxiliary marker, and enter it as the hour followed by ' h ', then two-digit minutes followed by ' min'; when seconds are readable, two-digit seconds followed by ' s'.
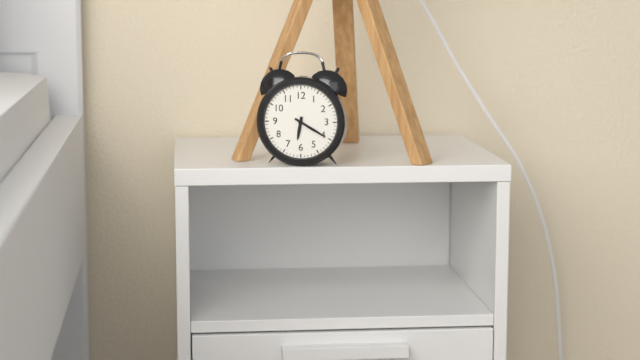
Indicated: 6 h 20 min
